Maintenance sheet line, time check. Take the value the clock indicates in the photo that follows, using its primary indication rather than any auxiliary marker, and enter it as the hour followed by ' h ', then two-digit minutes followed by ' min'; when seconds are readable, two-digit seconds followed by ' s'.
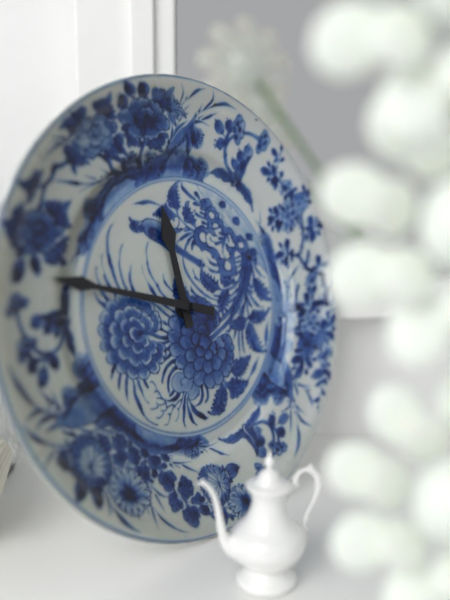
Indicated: 11 h 48 min
